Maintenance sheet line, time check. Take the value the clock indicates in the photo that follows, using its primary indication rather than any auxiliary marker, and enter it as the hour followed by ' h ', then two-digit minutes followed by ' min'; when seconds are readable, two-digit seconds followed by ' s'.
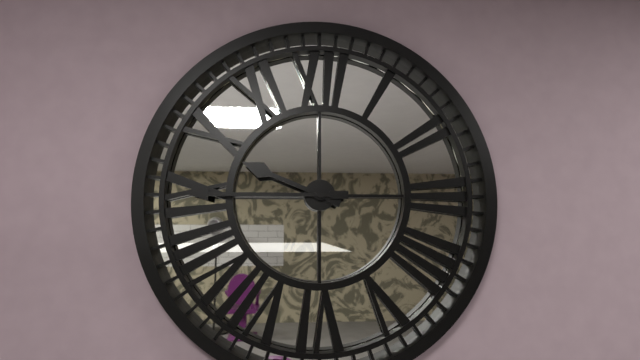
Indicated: 9 h 45 min
